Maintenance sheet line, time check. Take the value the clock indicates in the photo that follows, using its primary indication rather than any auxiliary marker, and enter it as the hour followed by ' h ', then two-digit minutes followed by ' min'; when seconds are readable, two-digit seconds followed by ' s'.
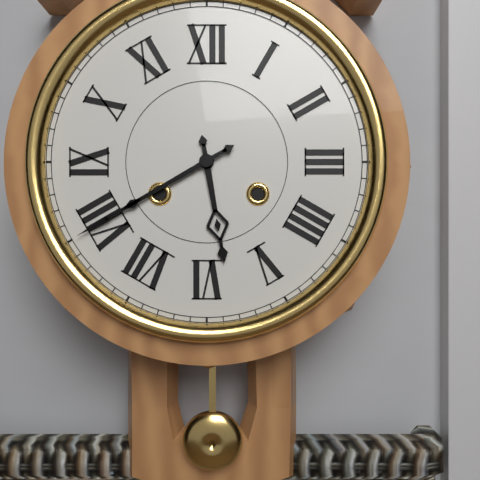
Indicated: 5 h 40 min
